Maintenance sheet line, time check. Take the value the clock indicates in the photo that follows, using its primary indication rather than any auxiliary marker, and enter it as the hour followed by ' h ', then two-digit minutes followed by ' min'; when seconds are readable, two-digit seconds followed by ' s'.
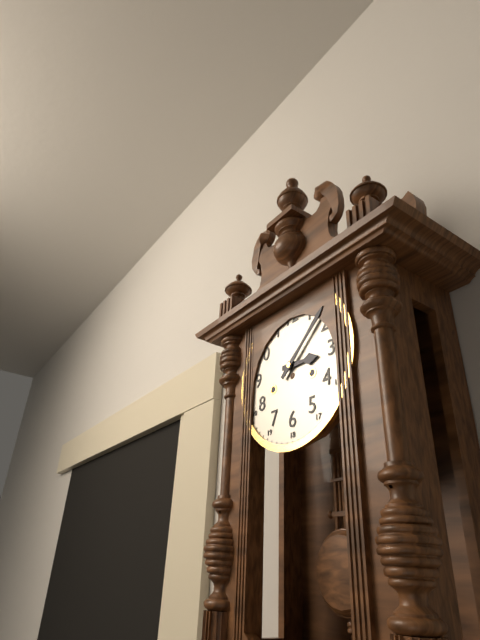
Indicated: 3 h 08 min
